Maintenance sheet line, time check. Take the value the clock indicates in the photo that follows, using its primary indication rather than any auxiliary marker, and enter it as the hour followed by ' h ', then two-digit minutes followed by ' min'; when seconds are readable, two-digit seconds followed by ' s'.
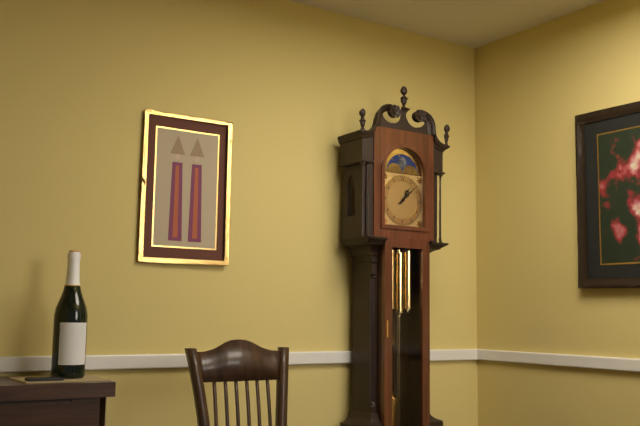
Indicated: 1 h 08 min
